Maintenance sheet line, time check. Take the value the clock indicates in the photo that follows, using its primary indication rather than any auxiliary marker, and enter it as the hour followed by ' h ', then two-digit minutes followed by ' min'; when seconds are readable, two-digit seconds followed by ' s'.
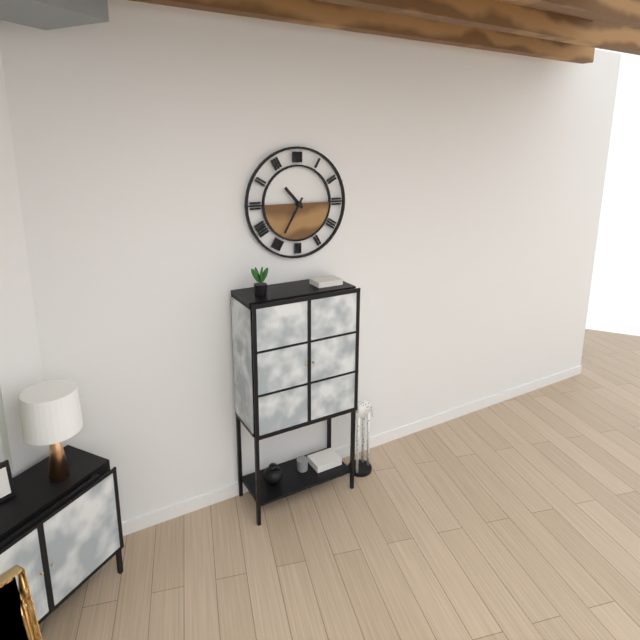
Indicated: 10 h 35 min
